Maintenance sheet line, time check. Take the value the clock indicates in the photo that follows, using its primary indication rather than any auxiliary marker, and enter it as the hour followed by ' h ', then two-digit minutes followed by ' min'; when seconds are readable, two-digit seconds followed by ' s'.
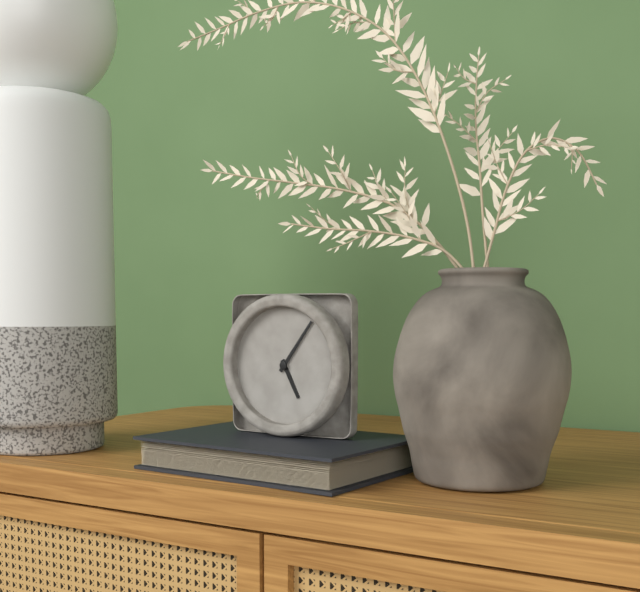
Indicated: 5 h 06 min
